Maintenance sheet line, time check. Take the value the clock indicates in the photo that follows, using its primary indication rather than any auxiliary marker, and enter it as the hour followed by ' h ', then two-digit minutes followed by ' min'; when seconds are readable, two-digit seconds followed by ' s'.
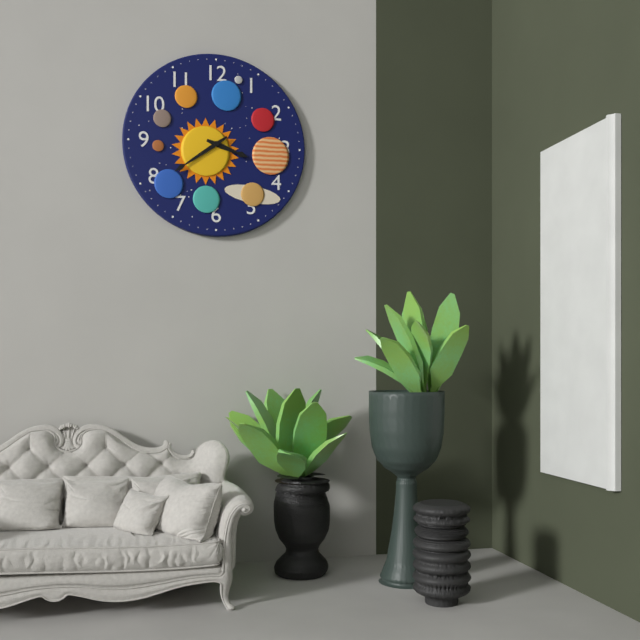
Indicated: 3 h 39 min
